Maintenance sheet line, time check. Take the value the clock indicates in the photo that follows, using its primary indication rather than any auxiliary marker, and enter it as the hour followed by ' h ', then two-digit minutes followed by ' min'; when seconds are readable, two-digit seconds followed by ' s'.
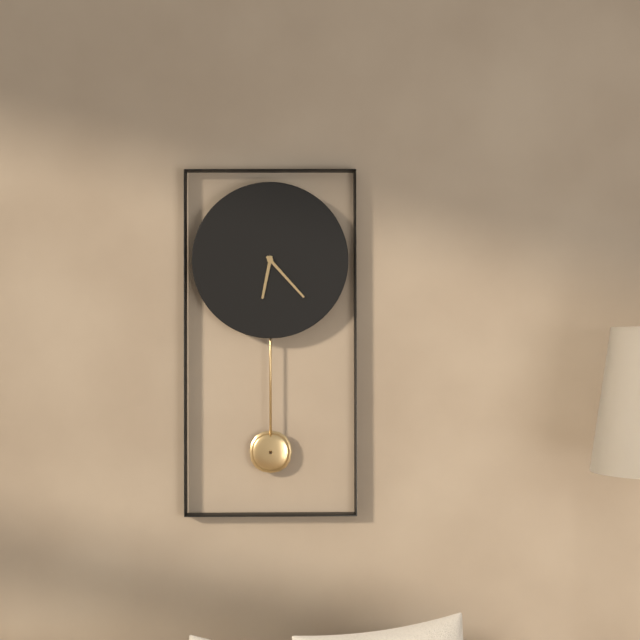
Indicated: 6 h 23 min
